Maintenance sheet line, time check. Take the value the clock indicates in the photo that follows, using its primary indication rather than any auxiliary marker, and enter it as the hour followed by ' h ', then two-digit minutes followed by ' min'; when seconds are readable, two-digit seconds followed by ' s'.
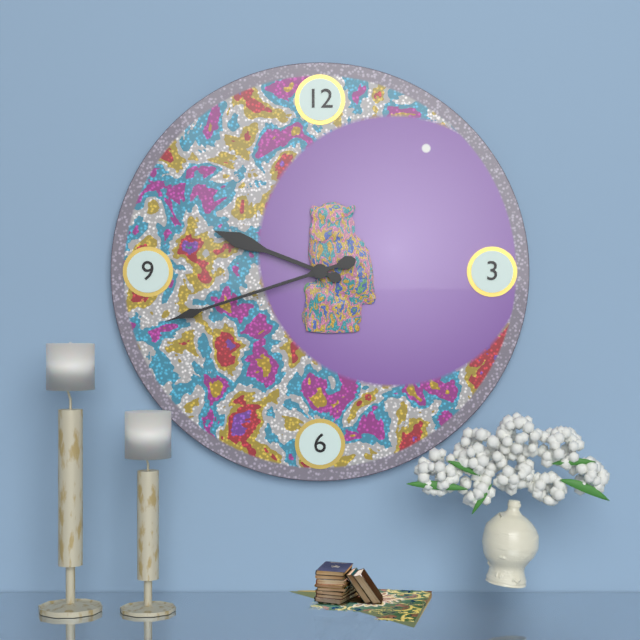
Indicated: 9 h 42 min
